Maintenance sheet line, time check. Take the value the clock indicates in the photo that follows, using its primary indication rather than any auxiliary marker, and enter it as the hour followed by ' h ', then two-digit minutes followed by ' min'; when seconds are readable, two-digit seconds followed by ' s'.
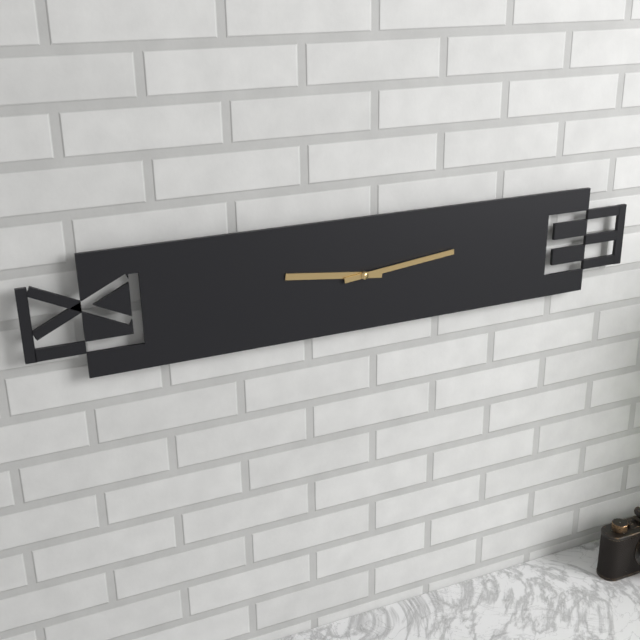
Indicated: 9 h 14 min
